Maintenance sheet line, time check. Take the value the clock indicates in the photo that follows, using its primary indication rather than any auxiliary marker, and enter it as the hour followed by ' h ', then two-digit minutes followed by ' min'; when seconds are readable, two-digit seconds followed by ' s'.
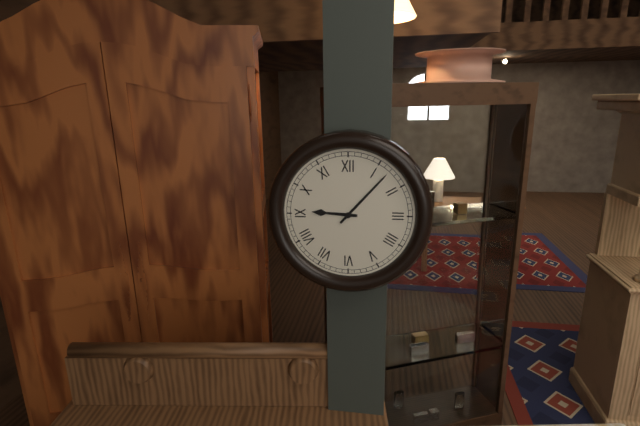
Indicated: 9 h 07 min
